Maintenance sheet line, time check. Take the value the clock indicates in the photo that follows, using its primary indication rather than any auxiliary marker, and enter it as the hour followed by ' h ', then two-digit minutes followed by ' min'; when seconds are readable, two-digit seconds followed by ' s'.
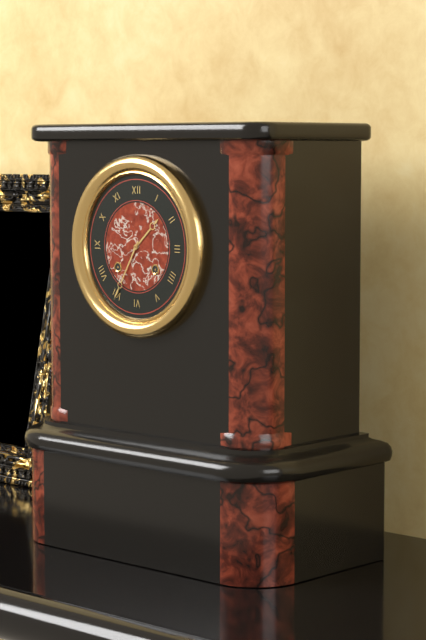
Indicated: 1 h 35 min
